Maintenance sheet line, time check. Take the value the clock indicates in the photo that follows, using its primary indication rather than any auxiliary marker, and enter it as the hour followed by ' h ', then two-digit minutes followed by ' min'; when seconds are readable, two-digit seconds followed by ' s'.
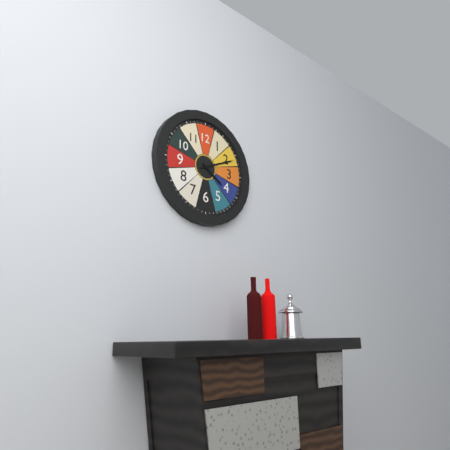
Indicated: 4 h 11 min
